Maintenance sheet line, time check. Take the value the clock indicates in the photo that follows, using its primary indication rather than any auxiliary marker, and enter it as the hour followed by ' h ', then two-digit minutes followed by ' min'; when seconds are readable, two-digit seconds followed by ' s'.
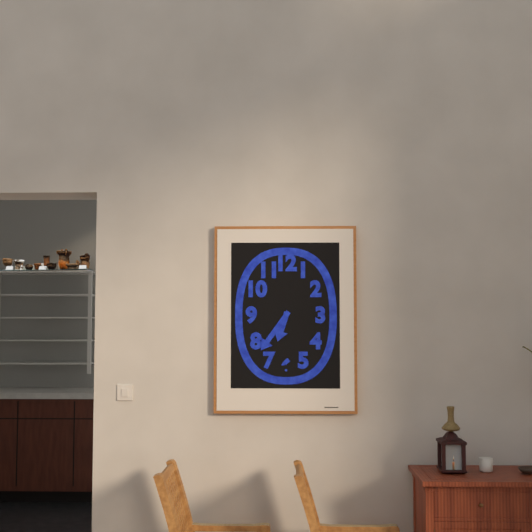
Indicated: 6 h 36 min
